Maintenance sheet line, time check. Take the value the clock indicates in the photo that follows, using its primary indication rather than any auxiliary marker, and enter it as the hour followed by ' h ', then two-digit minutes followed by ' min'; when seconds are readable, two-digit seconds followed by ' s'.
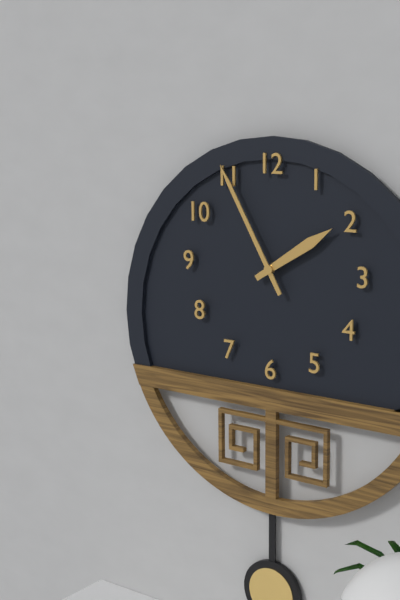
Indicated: 1 h 55 min
